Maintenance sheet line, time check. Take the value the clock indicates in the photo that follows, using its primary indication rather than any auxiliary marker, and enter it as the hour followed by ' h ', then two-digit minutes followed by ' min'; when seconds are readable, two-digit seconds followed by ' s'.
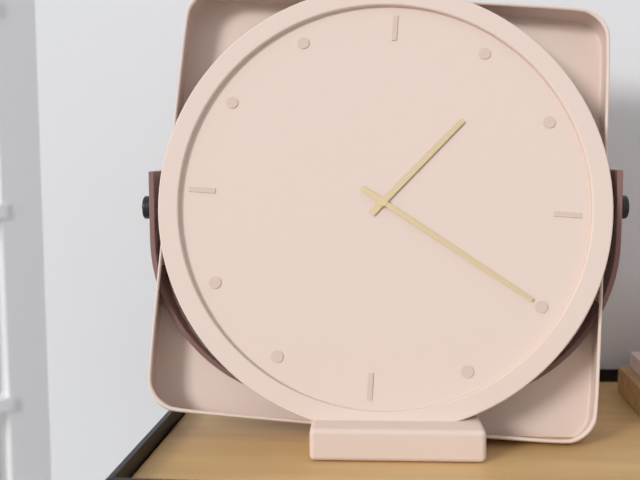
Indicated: 1 h 20 min
